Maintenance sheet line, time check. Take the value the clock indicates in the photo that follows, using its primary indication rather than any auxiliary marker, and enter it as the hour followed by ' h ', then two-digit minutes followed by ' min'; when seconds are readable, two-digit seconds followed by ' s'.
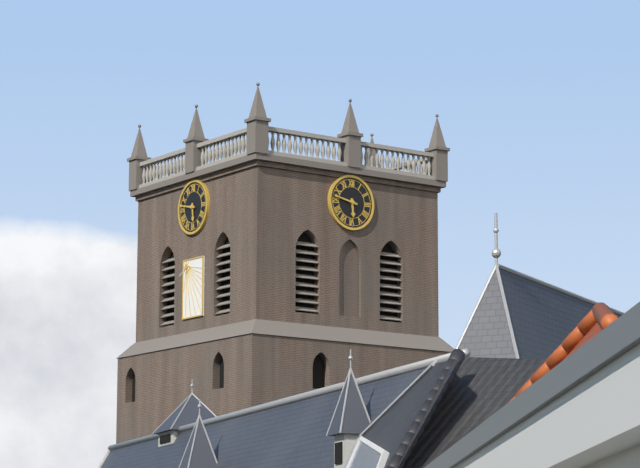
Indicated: 5 h 47 min
